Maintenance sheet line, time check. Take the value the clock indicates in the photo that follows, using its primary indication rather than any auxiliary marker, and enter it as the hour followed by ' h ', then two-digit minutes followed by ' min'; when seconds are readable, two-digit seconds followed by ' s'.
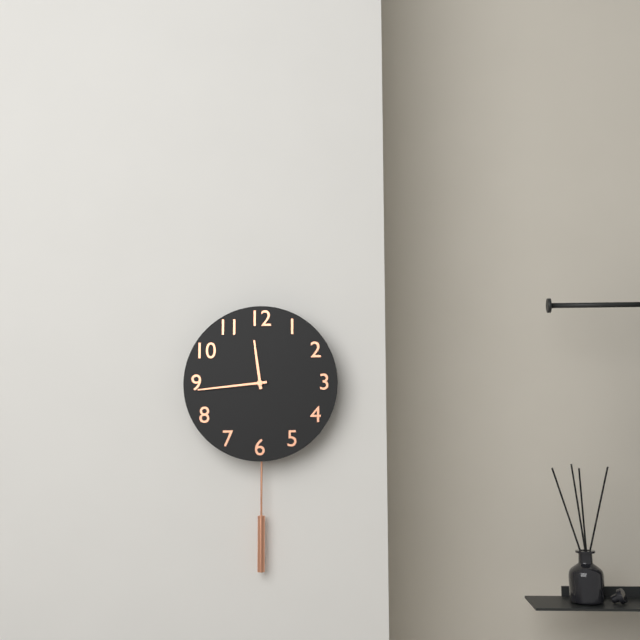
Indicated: 11 h 44 min
